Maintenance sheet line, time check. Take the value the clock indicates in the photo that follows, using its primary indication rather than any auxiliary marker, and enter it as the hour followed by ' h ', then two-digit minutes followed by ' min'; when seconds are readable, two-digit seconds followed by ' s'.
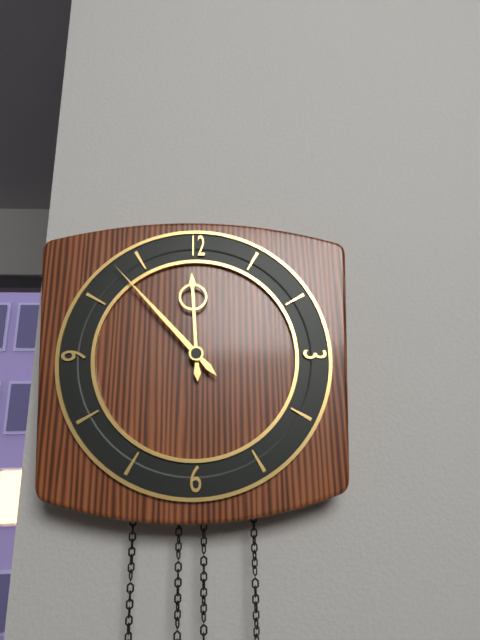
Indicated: 11 h 53 min
